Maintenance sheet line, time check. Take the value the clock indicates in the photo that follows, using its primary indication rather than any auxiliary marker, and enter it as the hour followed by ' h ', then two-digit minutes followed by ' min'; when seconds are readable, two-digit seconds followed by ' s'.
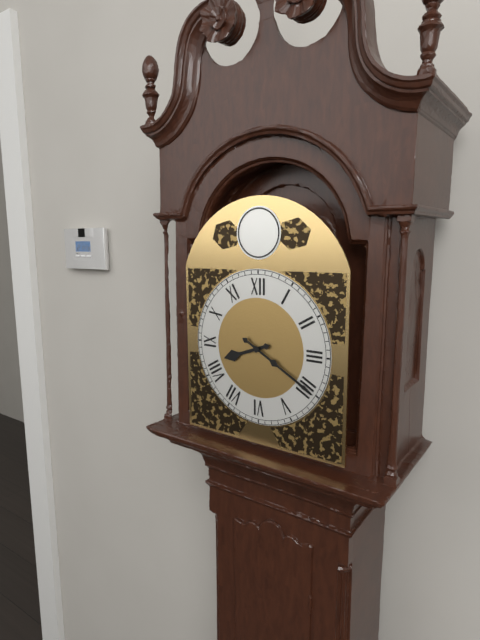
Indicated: 8 h 20 min
